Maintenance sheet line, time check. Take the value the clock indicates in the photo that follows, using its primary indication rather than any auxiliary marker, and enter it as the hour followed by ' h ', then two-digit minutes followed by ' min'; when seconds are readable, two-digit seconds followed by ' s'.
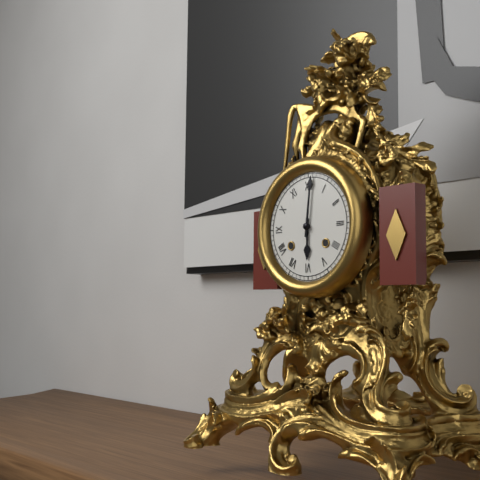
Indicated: 6 h 01 min
